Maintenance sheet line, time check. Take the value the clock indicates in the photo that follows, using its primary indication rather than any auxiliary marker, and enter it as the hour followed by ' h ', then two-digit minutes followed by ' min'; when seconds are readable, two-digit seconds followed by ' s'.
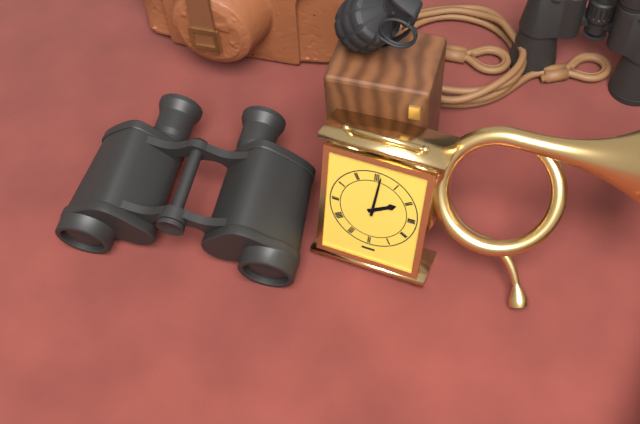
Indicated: 2 h 01 min
